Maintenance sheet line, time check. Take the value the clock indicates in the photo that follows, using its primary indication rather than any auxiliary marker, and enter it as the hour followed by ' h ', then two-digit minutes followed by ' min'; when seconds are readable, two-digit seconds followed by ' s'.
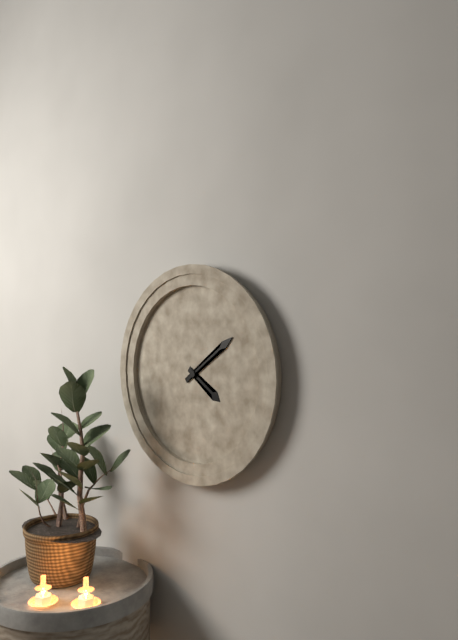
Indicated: 4 h 09 min
